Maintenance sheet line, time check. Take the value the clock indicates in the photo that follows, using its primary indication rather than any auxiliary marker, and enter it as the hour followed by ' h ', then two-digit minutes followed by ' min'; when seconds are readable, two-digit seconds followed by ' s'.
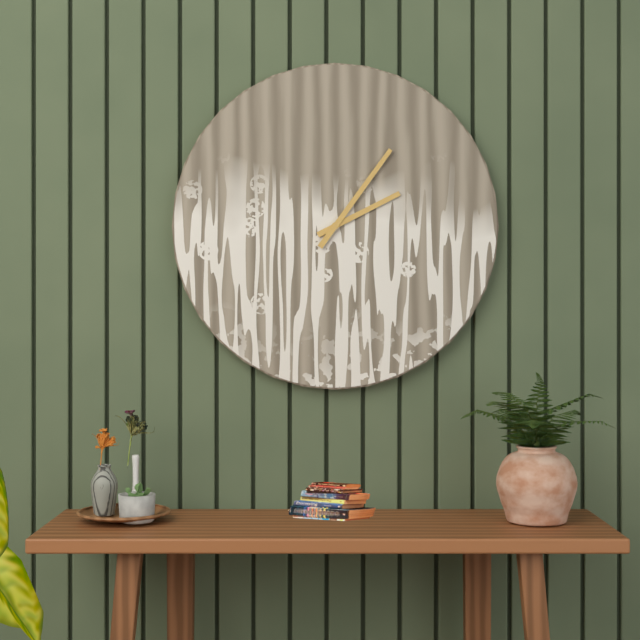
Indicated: 2 h 06 min
